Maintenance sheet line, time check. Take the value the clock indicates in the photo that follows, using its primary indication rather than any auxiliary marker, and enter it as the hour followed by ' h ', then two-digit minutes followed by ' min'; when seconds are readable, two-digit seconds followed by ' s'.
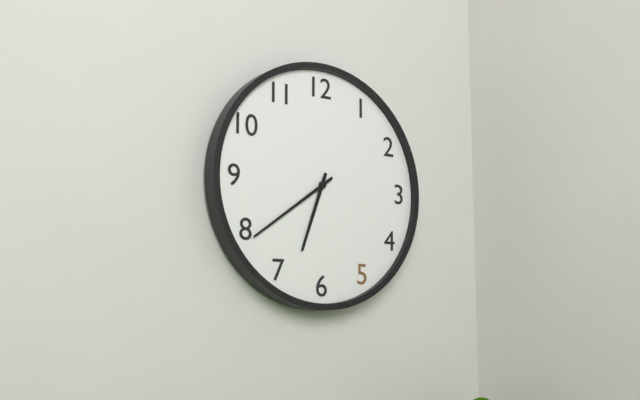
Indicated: 6 h 39 min
